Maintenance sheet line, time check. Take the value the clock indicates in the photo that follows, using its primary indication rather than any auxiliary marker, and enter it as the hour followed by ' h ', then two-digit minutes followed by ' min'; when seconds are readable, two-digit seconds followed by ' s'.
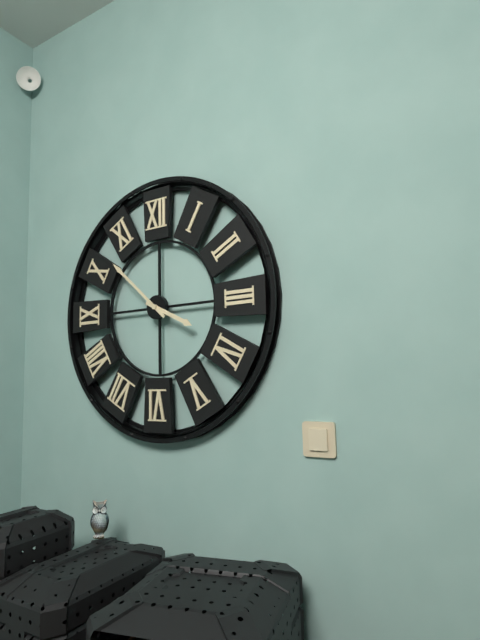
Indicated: 3 h 52 min
